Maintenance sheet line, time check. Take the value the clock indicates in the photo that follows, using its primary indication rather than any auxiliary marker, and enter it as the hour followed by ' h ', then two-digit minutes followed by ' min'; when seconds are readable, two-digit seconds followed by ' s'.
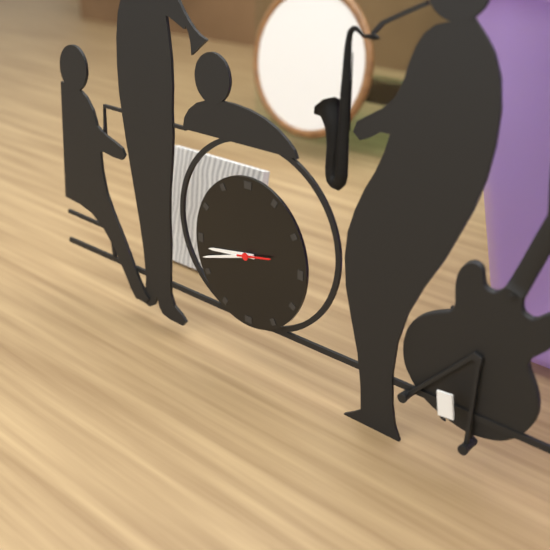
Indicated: 8 h 42 min
